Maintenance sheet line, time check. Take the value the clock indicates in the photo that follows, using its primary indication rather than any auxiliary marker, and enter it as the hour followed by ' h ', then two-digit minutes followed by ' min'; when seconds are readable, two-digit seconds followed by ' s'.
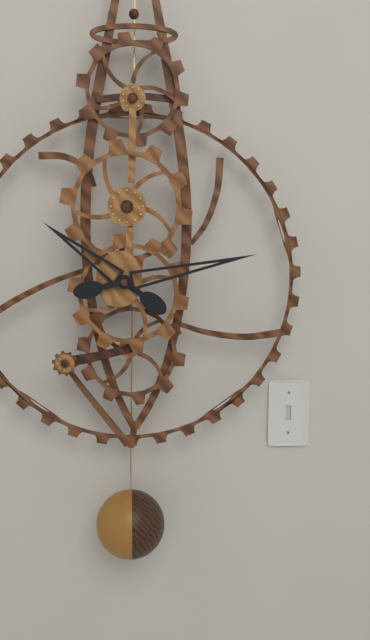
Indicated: 10 h 13 min
